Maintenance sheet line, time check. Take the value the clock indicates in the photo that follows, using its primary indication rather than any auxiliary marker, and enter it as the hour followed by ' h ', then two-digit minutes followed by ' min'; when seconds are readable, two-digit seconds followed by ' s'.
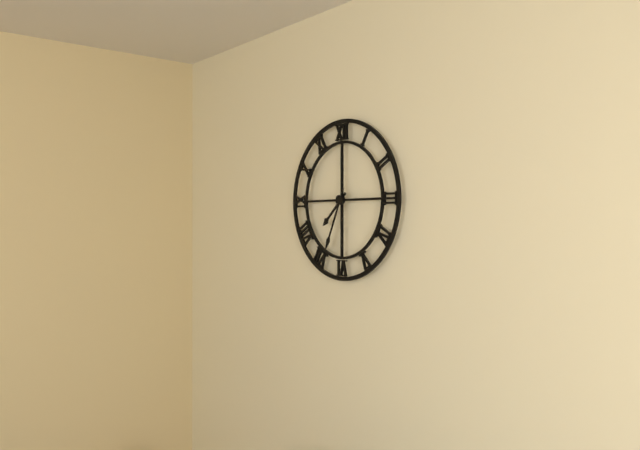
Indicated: 7 h 34 min
